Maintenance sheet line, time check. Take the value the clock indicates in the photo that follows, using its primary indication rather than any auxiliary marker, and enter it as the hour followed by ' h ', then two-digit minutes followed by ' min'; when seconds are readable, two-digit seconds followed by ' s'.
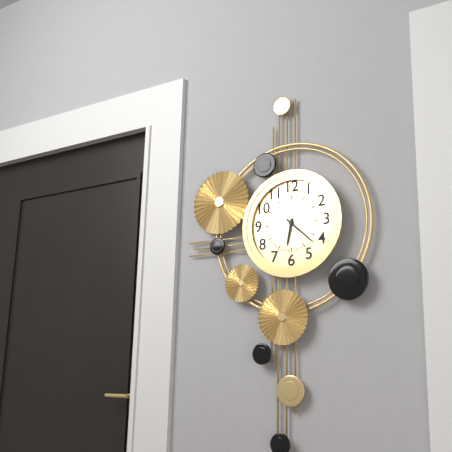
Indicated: 6 h 22 min
